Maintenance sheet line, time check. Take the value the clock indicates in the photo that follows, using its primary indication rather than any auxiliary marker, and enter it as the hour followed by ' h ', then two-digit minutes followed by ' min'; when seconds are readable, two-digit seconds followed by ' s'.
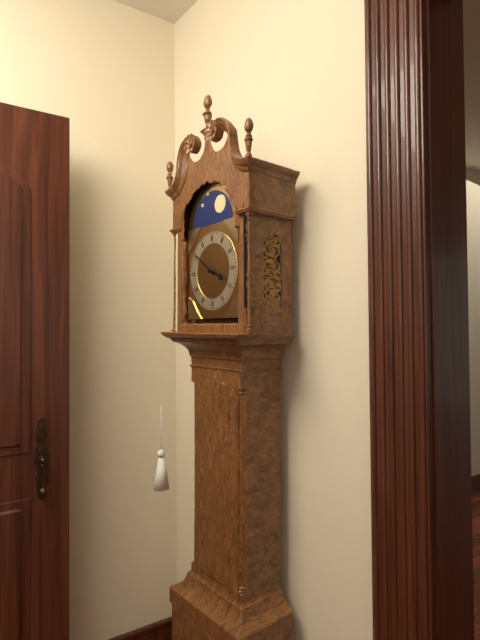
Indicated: 3 h 51 min
